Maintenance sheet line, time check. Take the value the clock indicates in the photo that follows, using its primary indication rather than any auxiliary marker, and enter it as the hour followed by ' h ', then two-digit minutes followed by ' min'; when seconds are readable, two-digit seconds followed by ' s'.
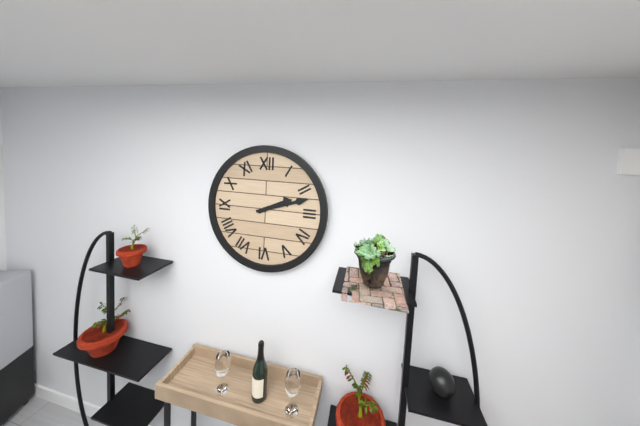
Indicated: 2 h 12 min
